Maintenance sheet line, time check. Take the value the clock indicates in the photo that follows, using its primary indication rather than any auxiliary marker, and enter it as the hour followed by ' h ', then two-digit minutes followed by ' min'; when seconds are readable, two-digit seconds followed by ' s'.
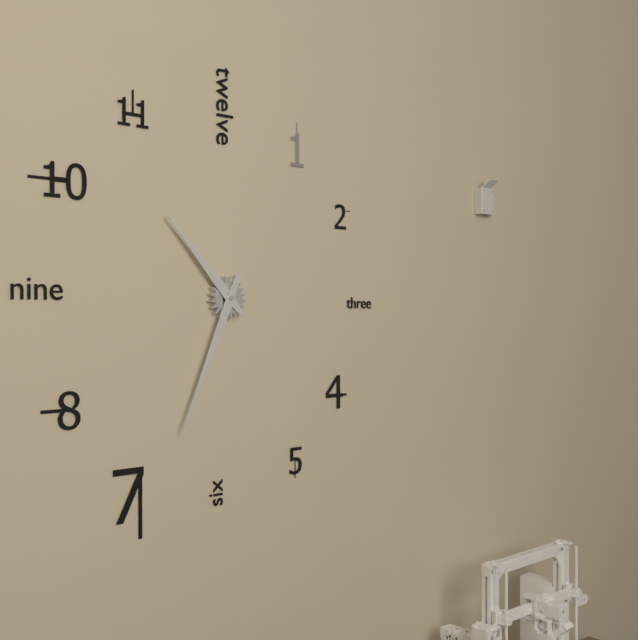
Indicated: 10 h 34 min
